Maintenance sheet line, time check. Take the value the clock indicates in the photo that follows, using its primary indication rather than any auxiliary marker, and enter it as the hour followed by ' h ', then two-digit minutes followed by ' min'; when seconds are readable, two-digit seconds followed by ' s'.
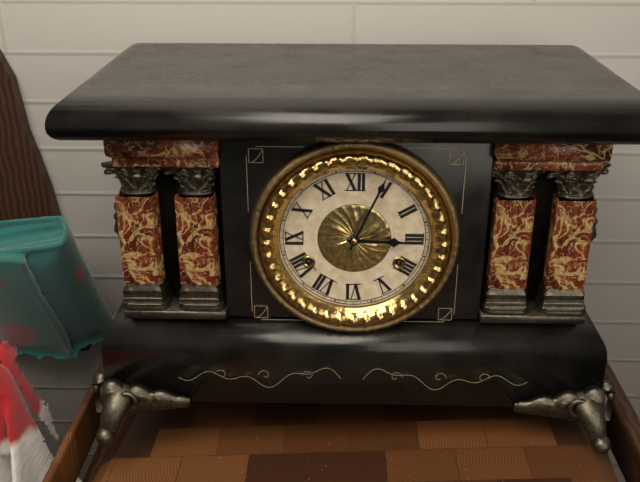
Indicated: 3 h 04 min
